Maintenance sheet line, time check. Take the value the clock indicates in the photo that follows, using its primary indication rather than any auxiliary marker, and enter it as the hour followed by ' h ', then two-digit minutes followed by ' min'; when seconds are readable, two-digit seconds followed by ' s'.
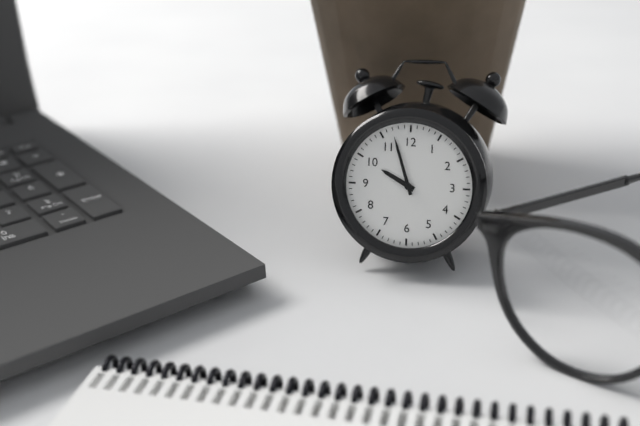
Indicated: 9 h 57 min
